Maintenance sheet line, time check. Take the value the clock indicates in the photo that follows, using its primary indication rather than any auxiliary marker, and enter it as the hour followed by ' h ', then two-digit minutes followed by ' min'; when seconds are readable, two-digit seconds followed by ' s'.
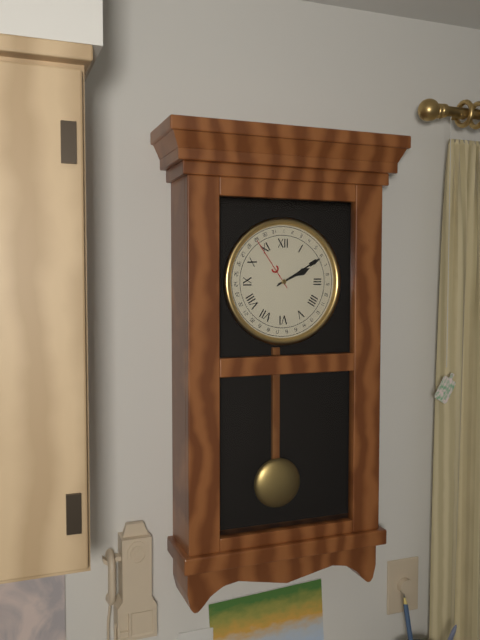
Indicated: 2 h 10 min
